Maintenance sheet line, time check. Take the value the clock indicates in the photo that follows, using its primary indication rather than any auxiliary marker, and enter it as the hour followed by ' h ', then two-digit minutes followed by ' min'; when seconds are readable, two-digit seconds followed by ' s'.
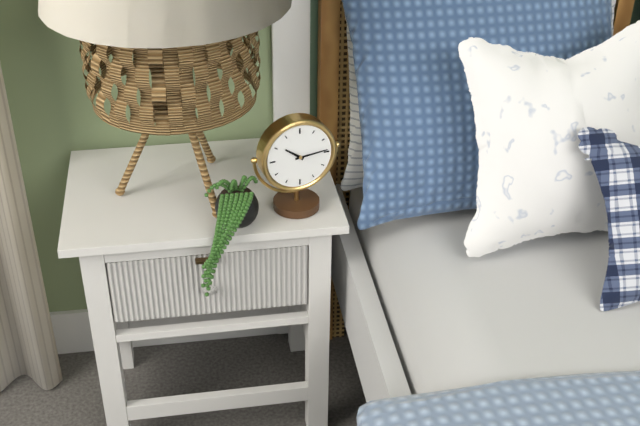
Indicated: 10 h 14 min
